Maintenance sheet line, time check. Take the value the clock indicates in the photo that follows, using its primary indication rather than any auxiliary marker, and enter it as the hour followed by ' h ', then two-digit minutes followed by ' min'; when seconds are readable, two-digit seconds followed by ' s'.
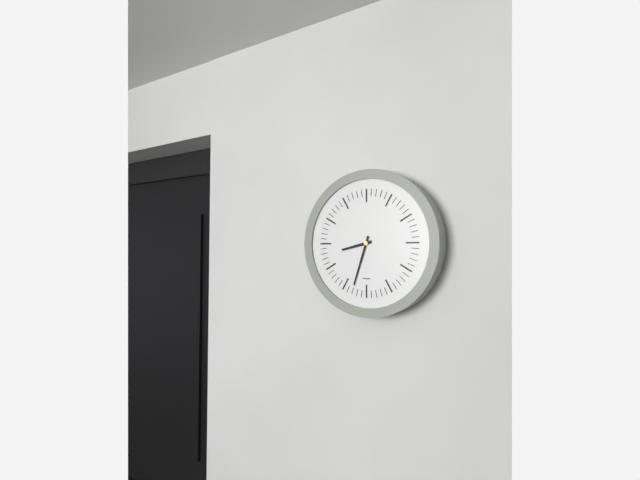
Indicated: 8 h 33 min
